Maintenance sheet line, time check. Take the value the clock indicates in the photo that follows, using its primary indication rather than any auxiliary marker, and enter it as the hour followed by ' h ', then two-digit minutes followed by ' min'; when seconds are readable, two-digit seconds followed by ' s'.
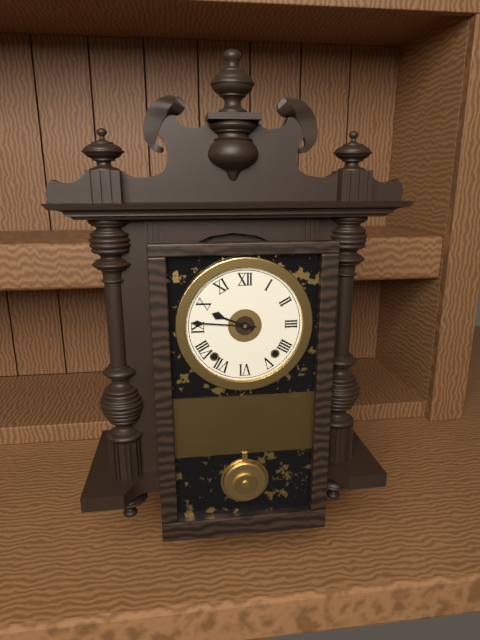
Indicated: 9 h 46 min
